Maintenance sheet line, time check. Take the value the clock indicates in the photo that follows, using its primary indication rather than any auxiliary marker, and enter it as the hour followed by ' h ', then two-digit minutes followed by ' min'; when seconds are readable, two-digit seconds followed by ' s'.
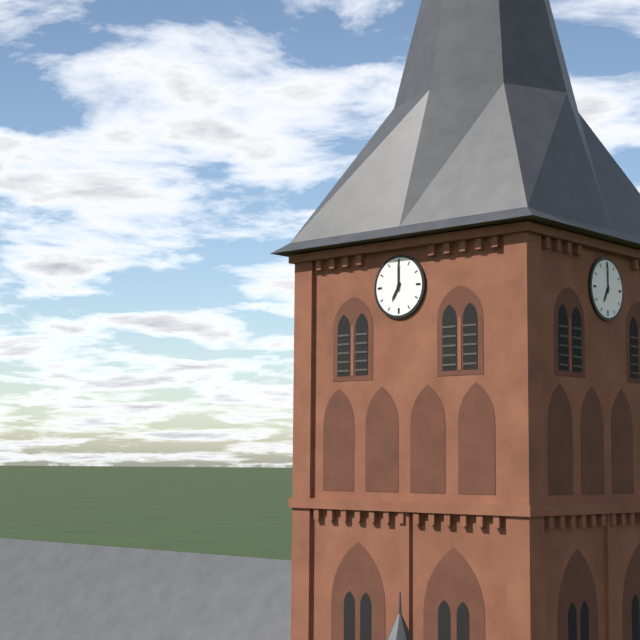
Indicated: 7 h 00 min
